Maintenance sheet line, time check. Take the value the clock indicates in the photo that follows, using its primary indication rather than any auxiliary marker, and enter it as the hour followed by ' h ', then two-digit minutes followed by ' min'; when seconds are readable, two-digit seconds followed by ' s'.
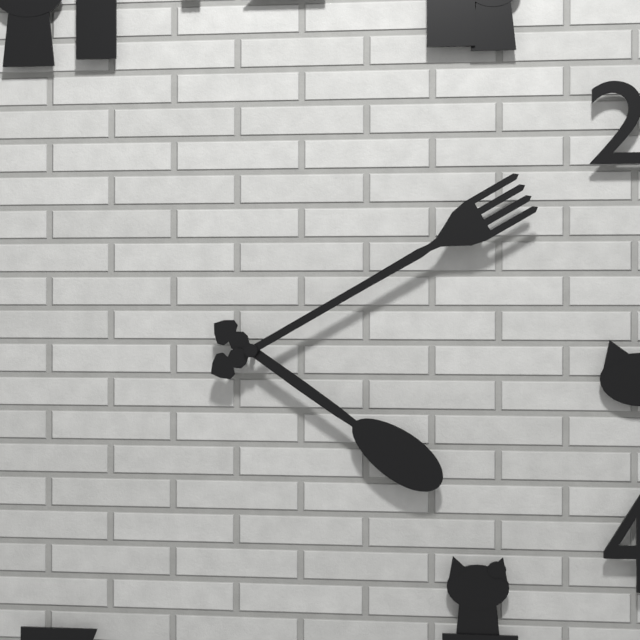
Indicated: 4 h 10 min
